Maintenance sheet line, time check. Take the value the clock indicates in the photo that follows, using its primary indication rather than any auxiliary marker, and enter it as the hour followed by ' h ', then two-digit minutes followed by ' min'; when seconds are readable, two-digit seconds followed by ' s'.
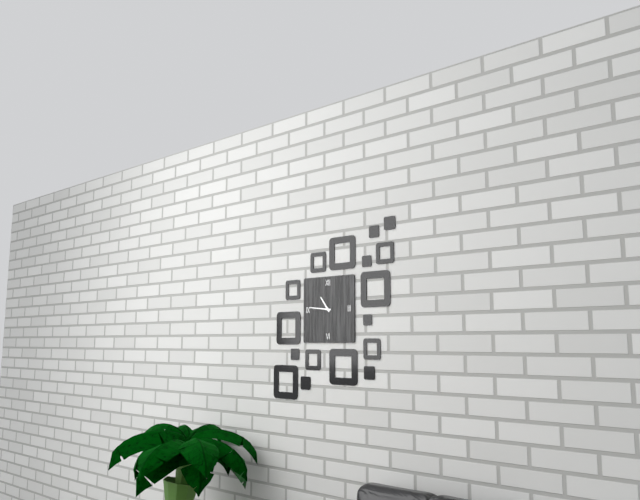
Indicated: 10 h 46 min
